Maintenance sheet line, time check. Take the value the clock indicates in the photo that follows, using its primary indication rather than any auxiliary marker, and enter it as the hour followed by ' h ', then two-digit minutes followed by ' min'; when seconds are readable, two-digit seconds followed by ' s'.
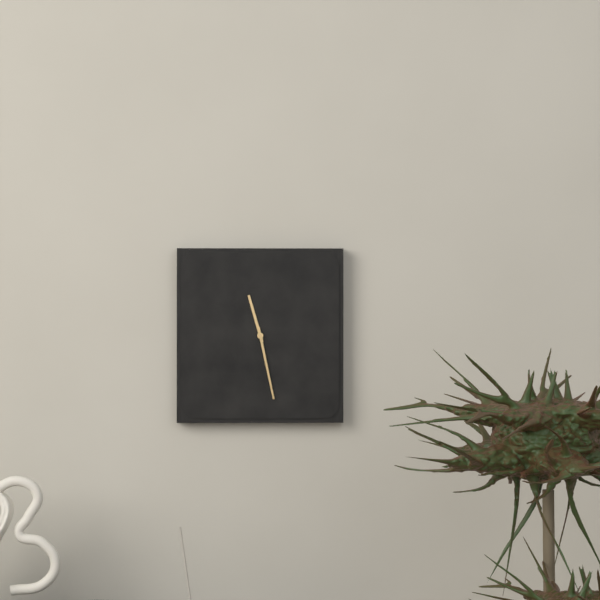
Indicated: 11 h 28 min
